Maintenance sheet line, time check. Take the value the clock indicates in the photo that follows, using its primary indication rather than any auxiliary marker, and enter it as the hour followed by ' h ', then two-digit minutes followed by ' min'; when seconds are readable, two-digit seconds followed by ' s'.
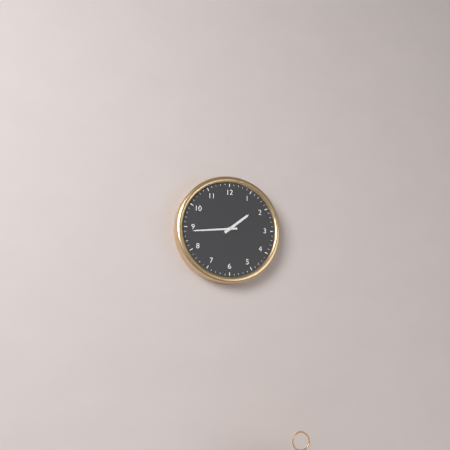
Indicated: 1 h 44 min
